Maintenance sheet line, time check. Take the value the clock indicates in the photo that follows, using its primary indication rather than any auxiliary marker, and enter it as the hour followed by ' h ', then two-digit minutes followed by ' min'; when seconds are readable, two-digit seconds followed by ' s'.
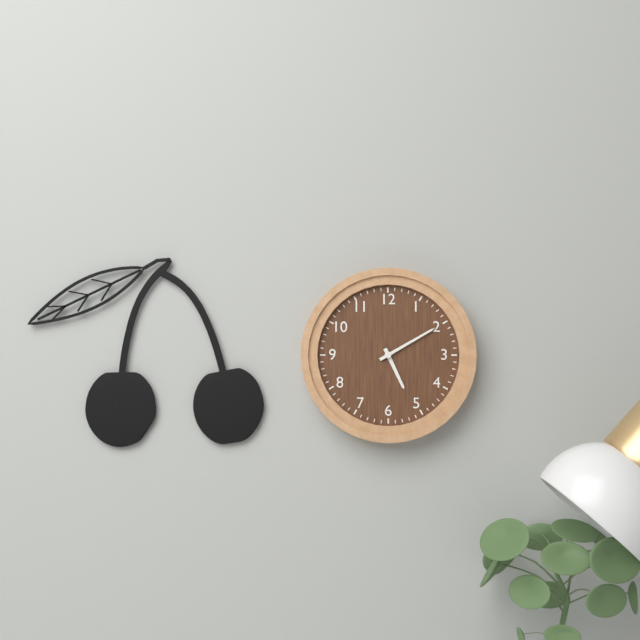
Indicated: 5 h 10 min
